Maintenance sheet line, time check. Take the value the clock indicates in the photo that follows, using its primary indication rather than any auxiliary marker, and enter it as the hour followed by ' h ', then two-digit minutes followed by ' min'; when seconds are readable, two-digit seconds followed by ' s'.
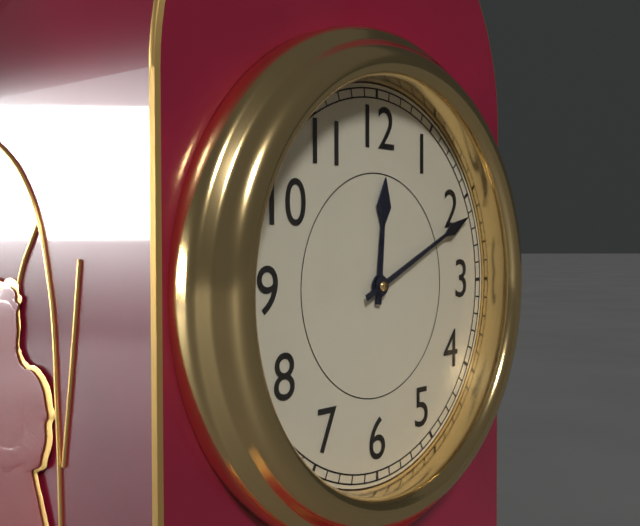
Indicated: 12 h 11 min
